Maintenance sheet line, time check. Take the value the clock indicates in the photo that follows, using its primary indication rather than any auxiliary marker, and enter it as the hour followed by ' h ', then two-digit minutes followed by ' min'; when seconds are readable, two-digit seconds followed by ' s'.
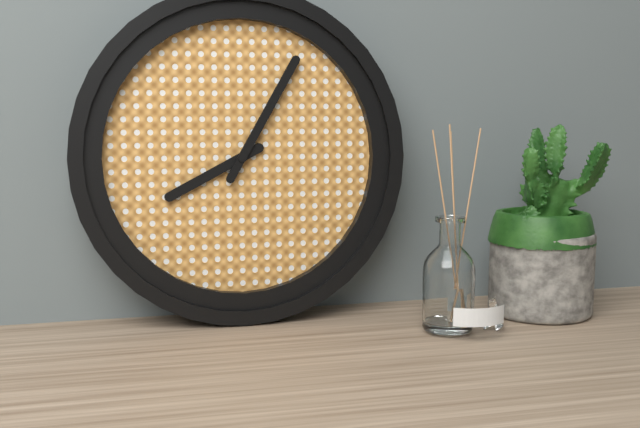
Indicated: 8 h 05 min
